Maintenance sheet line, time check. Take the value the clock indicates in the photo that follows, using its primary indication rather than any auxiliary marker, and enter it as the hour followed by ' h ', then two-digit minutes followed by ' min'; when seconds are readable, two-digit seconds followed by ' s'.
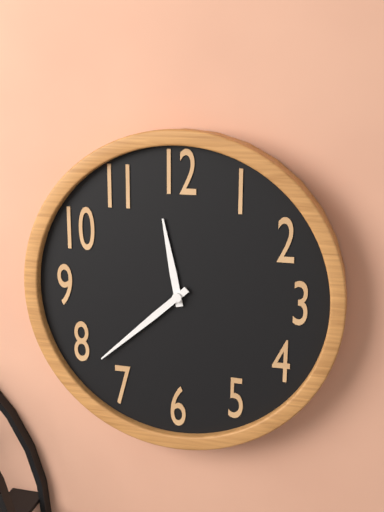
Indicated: 11 h 38 min
